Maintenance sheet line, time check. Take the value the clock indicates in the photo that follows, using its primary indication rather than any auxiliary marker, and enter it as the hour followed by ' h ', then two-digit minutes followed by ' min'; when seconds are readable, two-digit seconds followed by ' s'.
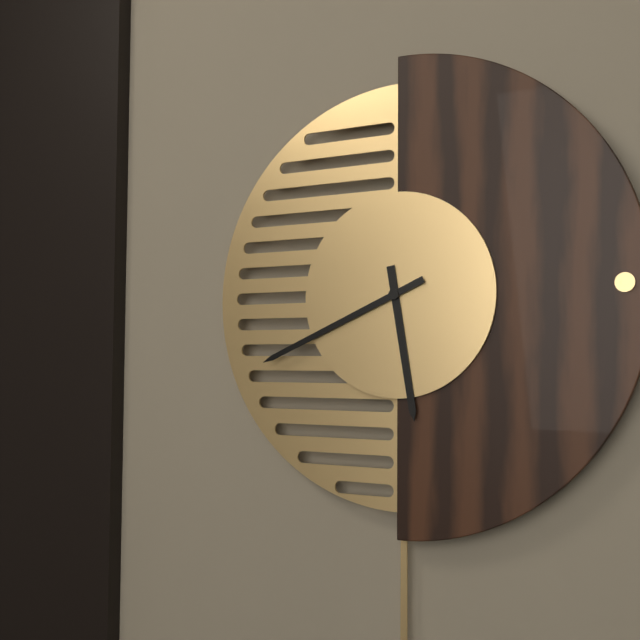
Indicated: 5 h 41 min
